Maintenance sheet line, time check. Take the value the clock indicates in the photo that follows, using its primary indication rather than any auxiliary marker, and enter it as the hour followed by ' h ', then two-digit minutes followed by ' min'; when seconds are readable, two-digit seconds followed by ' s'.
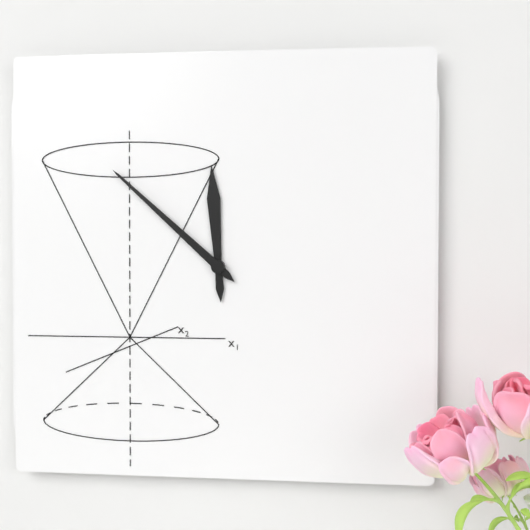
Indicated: 11 h 52 min
